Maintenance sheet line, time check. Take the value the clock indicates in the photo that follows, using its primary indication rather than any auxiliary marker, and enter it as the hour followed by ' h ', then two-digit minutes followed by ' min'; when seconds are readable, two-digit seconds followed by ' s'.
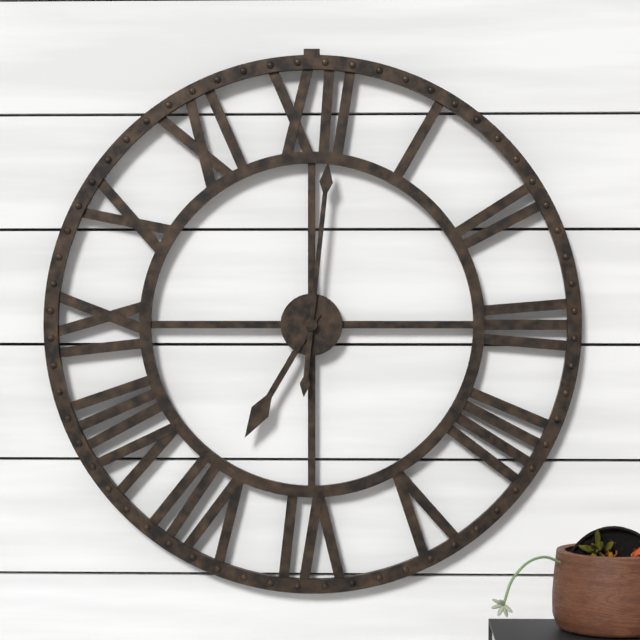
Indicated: 7 h 01 min
